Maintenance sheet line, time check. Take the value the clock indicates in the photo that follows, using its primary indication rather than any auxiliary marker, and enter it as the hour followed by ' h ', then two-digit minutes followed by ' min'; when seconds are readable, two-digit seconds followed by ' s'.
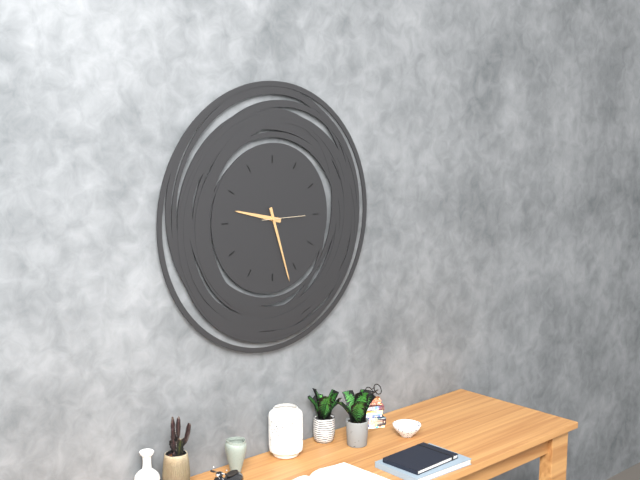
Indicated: 9 h 27 min
